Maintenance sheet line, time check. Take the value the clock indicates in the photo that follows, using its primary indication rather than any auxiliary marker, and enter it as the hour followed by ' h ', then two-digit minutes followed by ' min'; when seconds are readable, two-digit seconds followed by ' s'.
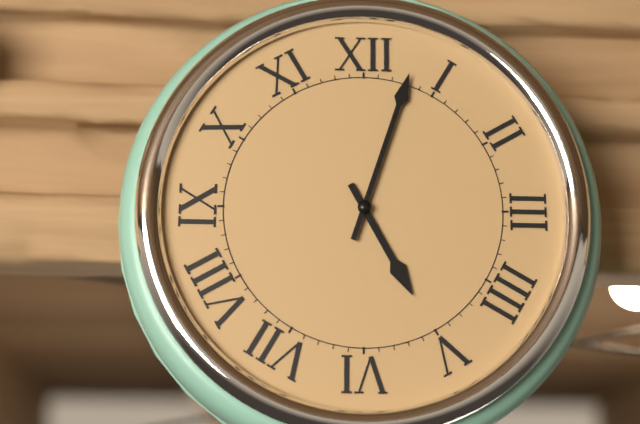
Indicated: 5 h 03 min
